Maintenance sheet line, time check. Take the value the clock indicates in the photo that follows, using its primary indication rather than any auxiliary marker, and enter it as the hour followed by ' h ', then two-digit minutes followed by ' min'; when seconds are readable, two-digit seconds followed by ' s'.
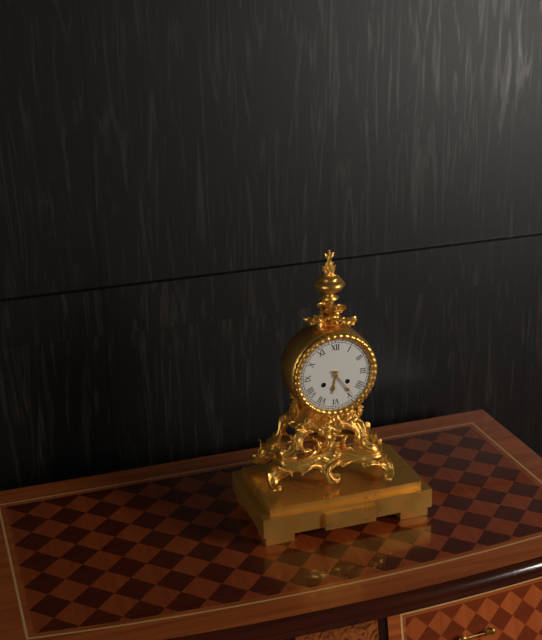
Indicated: 6 h 24 min
